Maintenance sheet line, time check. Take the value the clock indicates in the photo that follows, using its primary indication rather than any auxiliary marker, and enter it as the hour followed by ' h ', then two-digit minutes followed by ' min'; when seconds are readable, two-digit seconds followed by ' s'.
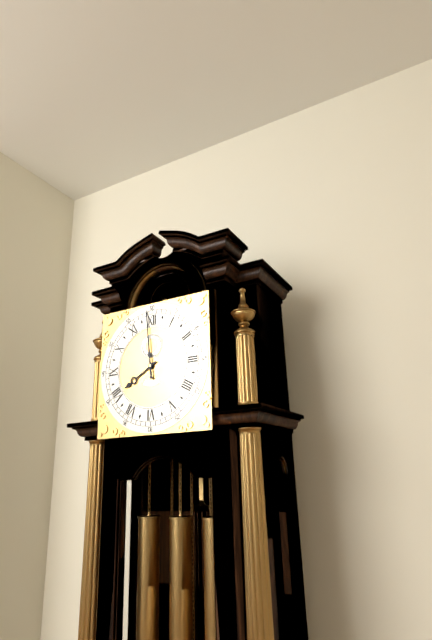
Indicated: 7 h 59 min
